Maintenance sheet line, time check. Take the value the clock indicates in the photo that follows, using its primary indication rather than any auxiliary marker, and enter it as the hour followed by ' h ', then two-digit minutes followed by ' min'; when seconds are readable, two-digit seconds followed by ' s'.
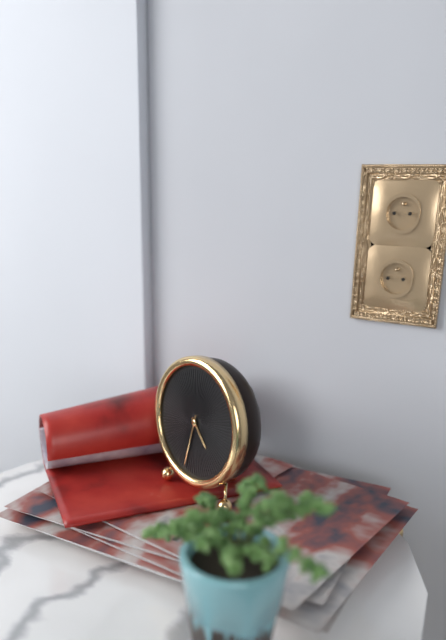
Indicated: 4 h 32 min
